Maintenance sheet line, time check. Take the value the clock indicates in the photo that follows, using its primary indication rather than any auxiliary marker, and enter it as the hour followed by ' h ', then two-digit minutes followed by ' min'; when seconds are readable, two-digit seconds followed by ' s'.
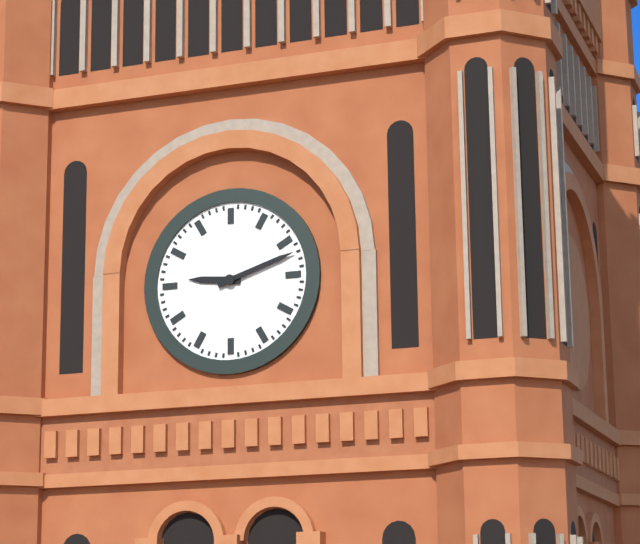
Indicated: 9 h 12 min
